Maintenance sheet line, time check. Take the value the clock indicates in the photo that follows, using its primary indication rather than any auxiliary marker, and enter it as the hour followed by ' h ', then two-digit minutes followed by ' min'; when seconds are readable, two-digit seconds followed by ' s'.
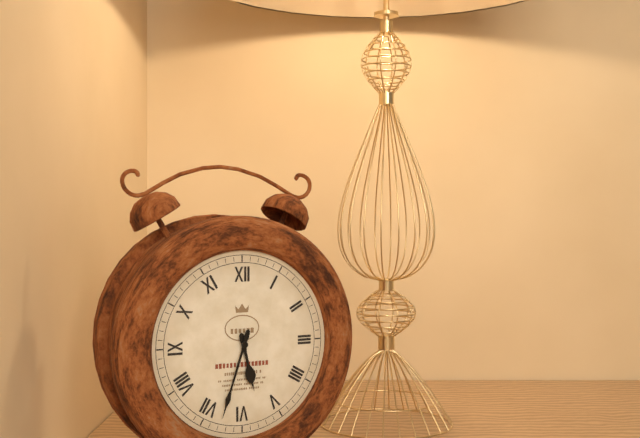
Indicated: 5 h 33 min
